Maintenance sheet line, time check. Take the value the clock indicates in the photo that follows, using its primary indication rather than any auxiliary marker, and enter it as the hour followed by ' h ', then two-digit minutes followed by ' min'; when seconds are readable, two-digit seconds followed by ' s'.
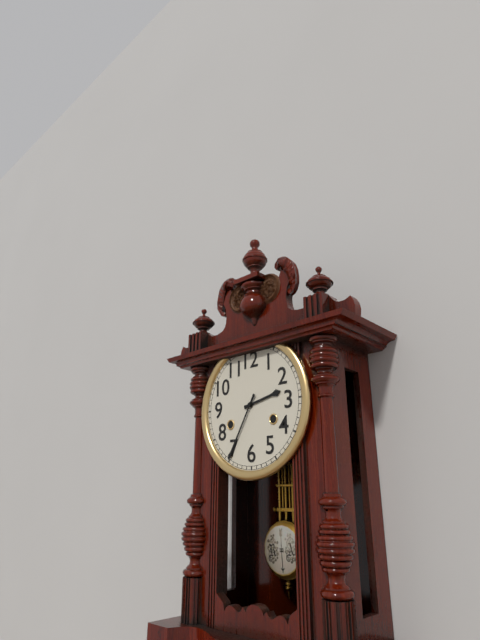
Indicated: 2 h 35 min
